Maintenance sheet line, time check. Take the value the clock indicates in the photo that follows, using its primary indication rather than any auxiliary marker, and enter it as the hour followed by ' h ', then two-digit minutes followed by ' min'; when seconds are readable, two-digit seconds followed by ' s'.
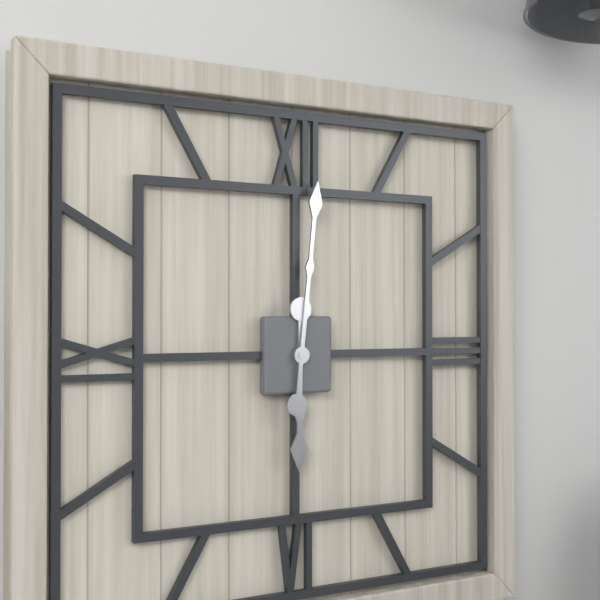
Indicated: 6 h 01 min
